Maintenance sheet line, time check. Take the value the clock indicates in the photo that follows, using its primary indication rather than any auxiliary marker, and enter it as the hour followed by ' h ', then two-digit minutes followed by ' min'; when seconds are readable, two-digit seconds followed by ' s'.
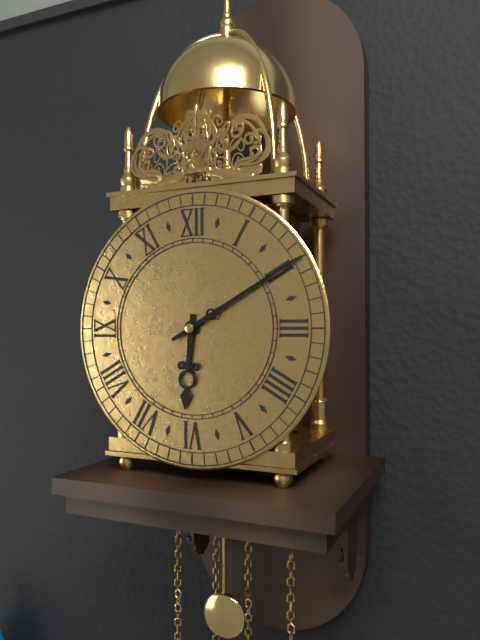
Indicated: 6 h 10 min
